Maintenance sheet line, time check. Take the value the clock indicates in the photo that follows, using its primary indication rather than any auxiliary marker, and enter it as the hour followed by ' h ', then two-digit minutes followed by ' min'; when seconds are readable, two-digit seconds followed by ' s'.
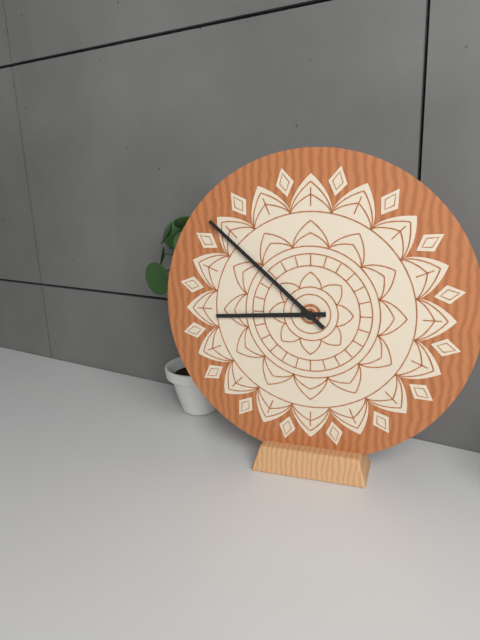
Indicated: 8 h 52 min
